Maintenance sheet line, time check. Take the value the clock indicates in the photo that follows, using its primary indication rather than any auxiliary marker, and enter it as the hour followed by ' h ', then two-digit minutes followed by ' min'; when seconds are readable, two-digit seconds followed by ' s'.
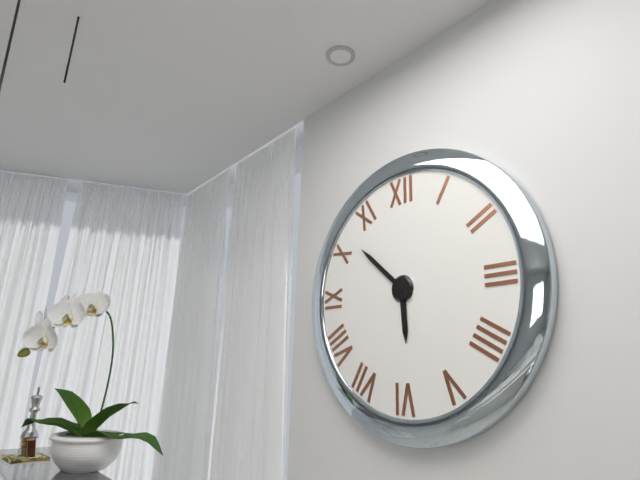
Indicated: 5 h 52 min
